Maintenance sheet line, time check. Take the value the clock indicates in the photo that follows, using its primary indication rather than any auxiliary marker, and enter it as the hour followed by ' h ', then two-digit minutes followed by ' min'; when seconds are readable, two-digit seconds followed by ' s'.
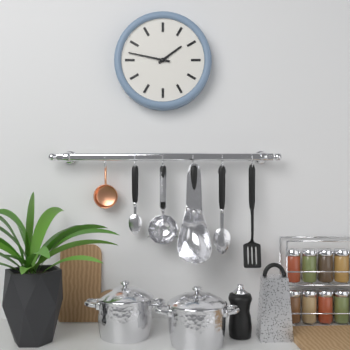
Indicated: 1 h 47 min
